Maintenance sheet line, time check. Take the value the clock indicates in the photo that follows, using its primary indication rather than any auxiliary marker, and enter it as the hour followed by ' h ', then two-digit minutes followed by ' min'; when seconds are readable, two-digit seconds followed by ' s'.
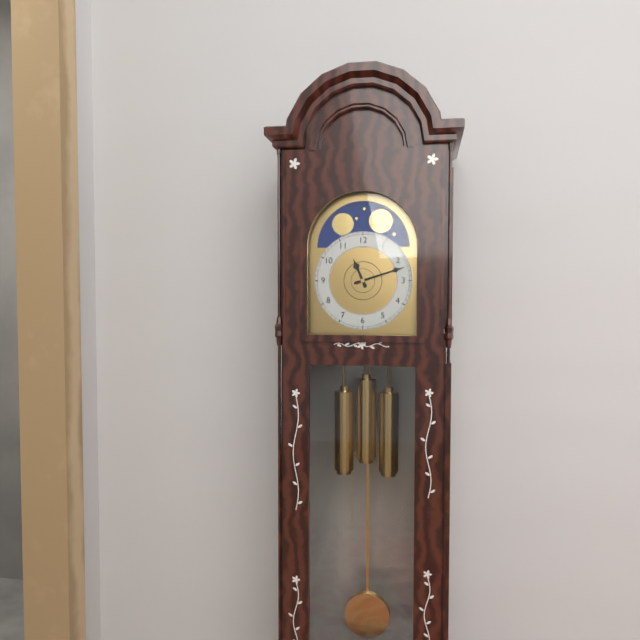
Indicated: 11 h 12 min
